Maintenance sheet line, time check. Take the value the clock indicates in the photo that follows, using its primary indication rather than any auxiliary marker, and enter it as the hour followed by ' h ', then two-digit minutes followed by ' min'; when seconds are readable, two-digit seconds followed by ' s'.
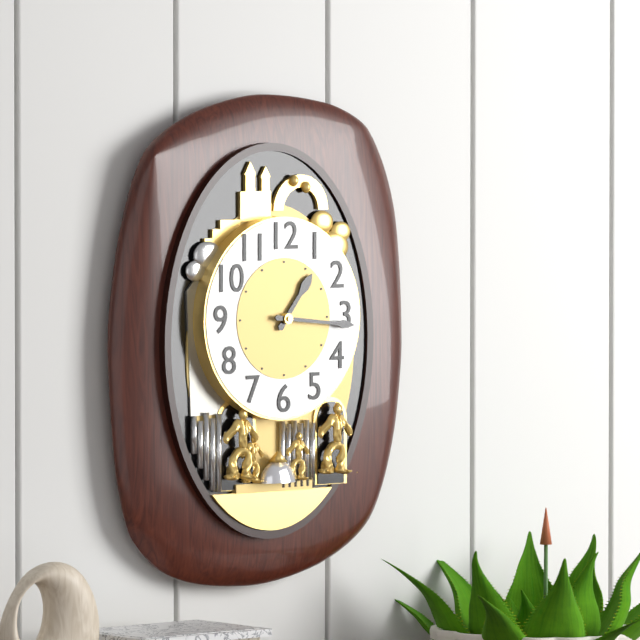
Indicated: 1 h 16 min
